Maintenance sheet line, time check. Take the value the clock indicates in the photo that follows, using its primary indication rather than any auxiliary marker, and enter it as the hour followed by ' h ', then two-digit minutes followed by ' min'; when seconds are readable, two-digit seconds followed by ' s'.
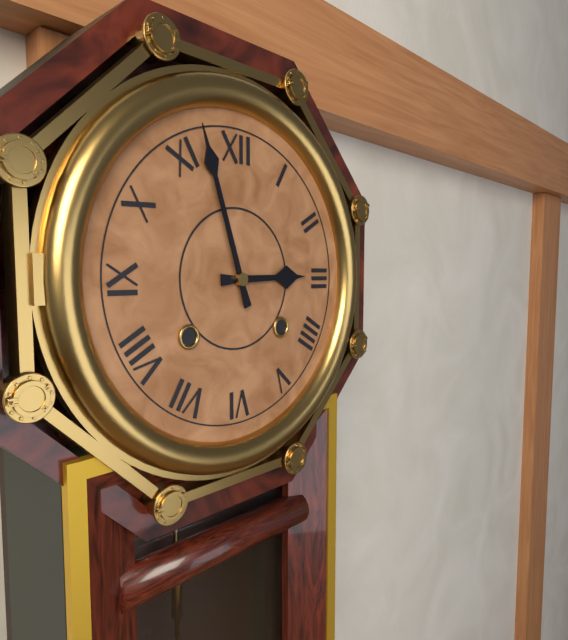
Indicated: 2 h 57 min
